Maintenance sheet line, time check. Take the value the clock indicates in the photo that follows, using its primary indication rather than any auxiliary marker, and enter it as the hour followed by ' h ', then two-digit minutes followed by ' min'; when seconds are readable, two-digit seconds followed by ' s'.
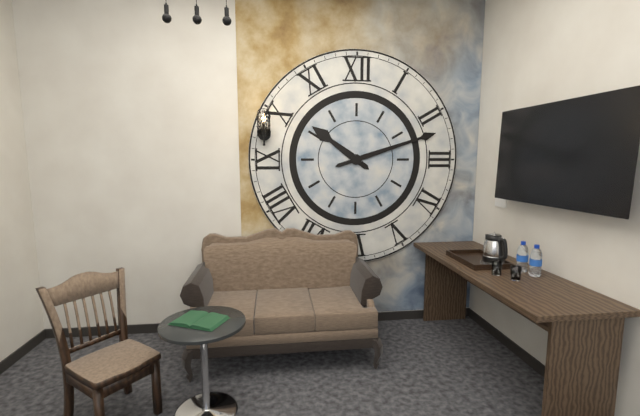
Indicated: 10 h 12 min
